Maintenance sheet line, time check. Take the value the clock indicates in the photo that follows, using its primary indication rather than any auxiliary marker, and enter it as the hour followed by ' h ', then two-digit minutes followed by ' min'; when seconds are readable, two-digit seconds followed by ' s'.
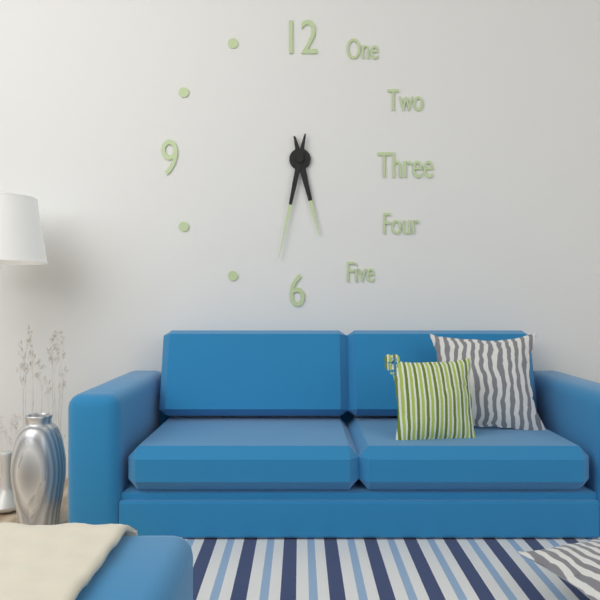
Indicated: 5 h 32 min
